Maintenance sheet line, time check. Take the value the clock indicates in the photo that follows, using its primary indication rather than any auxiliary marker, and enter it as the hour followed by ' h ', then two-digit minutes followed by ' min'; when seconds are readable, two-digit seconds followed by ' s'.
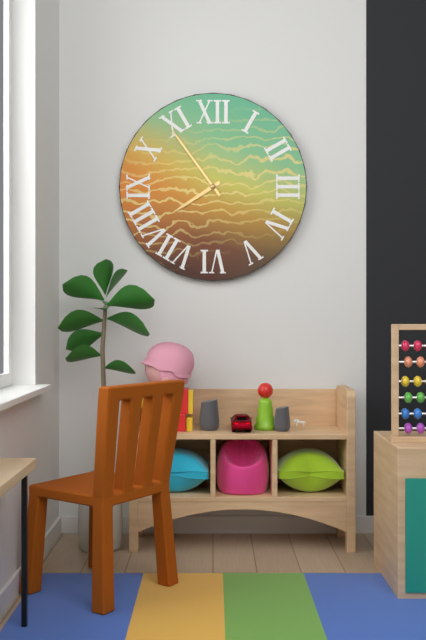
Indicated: 7 h 54 min
